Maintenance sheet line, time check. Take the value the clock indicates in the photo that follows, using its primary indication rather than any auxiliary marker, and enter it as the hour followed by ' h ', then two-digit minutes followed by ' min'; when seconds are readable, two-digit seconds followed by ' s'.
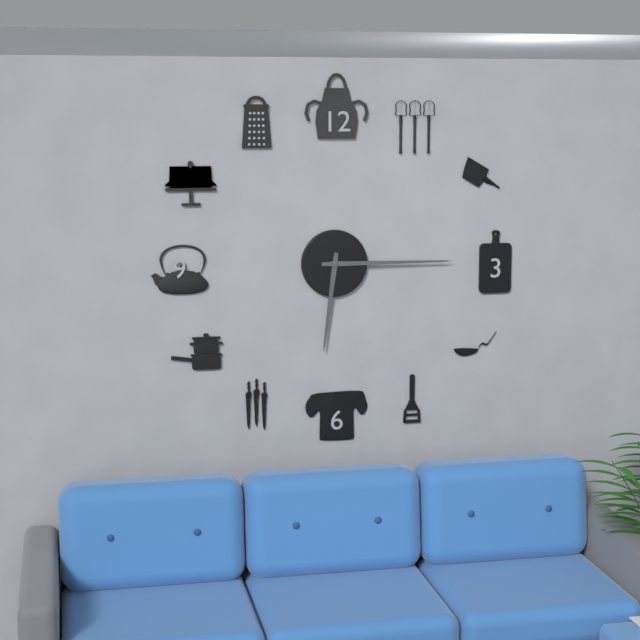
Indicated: 6 h 15 min
